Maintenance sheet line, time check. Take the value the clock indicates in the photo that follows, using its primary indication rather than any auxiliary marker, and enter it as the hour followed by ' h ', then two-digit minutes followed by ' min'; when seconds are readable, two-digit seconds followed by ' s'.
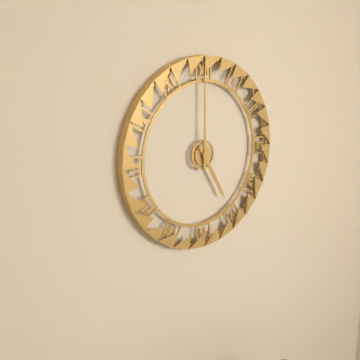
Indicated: 5 h 00 min
